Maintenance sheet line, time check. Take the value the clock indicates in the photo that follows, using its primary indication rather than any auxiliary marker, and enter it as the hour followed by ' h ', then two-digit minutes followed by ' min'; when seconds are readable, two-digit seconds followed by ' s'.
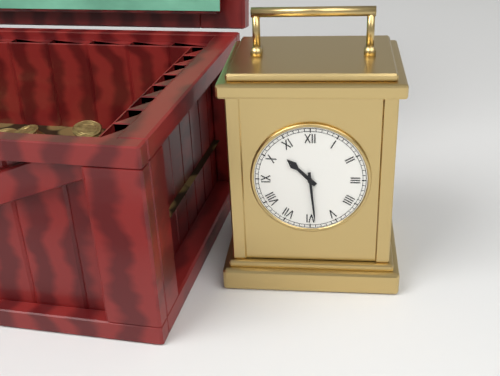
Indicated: 10 h 29 min
